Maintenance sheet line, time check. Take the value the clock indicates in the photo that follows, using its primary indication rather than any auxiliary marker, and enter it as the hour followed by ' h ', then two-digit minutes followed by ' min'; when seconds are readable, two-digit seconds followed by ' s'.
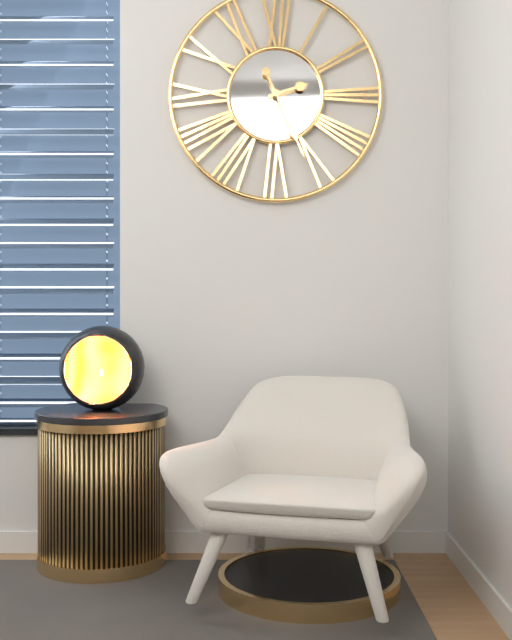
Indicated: 2 h 26 min
